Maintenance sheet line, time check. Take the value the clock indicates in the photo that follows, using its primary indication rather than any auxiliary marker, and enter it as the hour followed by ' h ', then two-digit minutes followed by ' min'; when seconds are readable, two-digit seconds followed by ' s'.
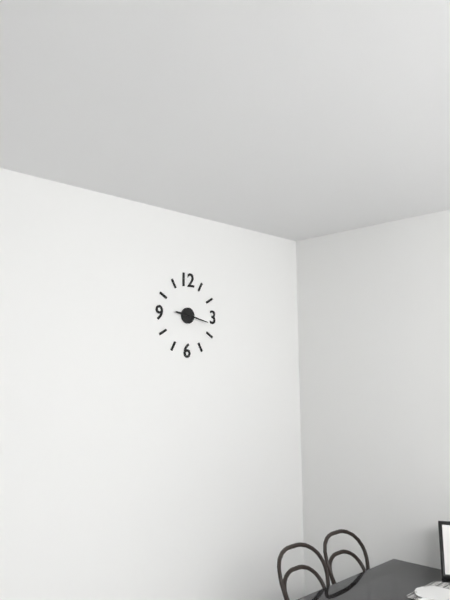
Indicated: 9 h 17 min
